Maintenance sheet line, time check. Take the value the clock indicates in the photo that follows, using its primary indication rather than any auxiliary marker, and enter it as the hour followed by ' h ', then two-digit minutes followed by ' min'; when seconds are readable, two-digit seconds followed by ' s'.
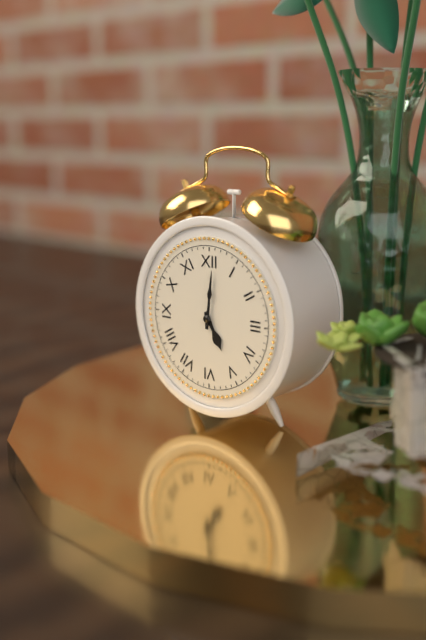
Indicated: 5 h 01 min
